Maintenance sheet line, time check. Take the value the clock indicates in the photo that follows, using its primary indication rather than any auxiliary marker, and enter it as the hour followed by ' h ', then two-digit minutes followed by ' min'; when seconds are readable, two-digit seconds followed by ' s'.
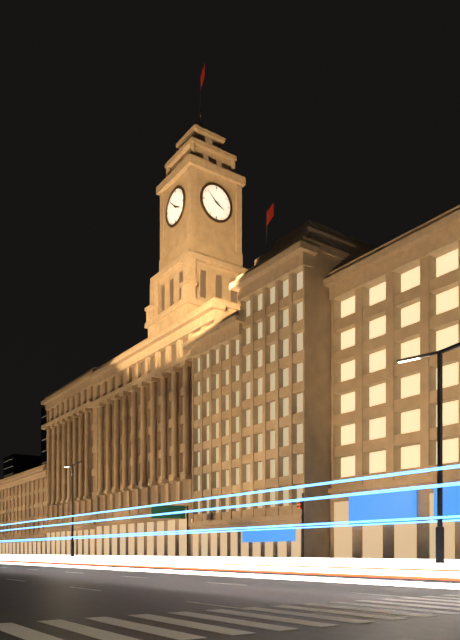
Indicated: 3 h 52 min
